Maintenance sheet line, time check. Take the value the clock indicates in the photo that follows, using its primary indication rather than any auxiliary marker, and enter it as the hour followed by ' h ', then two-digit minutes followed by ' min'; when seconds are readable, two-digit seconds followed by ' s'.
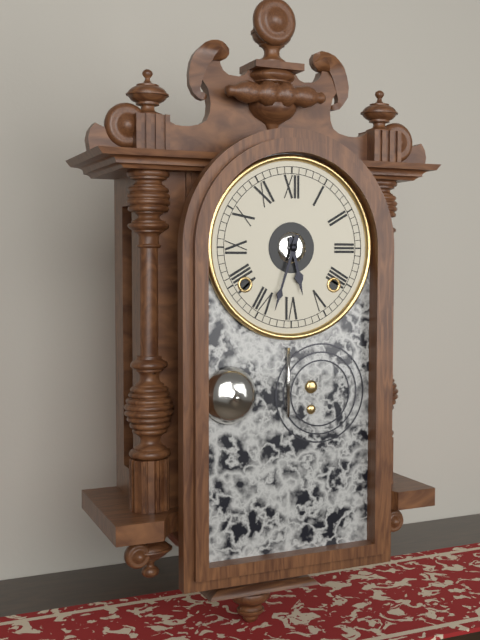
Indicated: 5 h 33 min
